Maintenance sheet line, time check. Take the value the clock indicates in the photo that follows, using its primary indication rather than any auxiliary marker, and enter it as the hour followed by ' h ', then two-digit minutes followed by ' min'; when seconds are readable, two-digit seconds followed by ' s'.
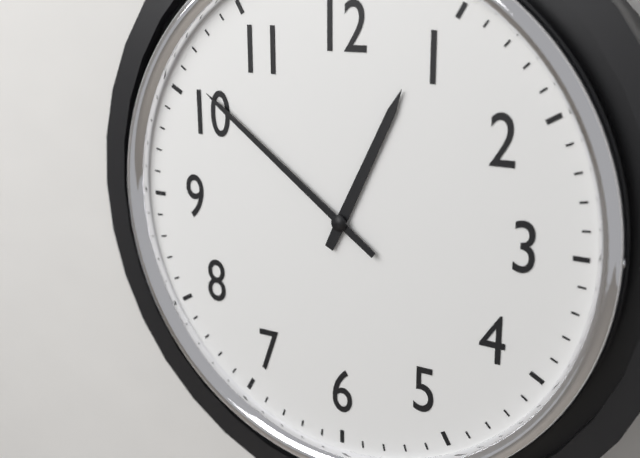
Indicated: 12 h 51 min
